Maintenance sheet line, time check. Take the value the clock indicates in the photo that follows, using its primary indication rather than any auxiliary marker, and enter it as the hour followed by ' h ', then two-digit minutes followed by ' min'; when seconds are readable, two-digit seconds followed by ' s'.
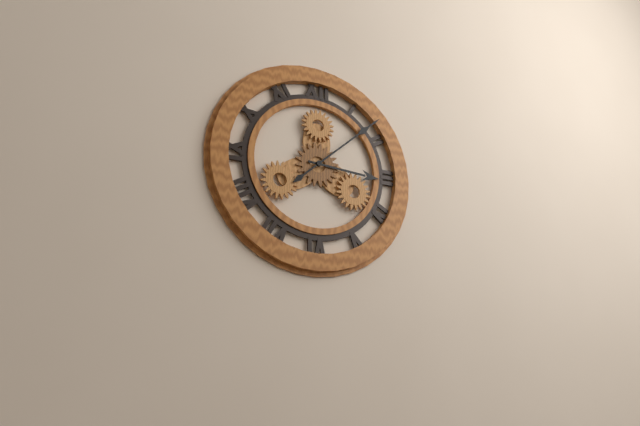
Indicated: 3 h 08 min
